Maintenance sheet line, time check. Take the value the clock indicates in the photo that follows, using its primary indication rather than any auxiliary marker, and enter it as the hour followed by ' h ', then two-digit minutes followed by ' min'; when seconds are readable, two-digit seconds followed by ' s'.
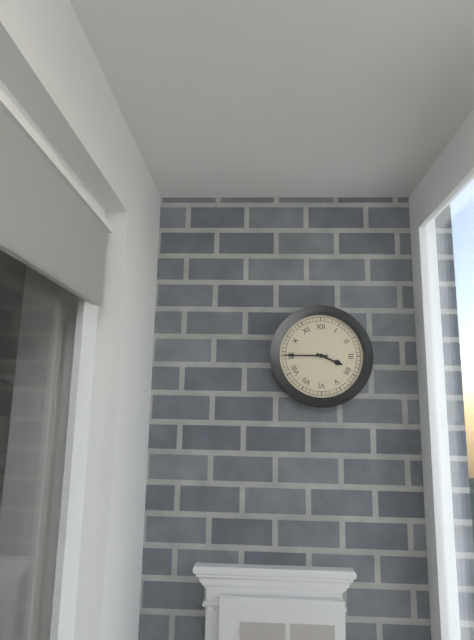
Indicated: 3 h 45 min
